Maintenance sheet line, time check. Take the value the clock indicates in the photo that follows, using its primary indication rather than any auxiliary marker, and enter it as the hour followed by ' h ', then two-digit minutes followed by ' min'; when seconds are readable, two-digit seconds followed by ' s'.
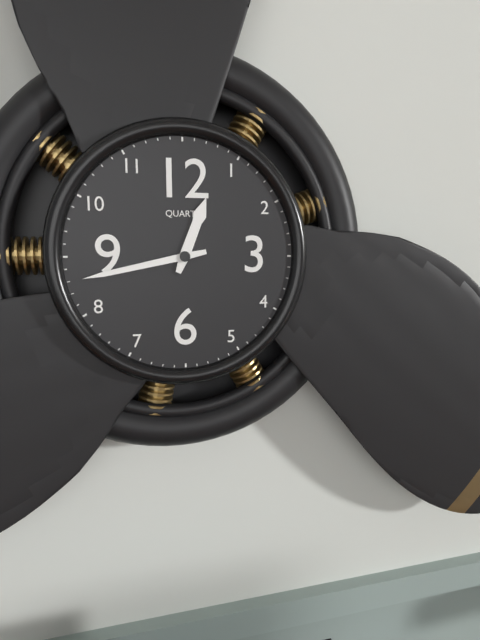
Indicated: 12 h 43 min
